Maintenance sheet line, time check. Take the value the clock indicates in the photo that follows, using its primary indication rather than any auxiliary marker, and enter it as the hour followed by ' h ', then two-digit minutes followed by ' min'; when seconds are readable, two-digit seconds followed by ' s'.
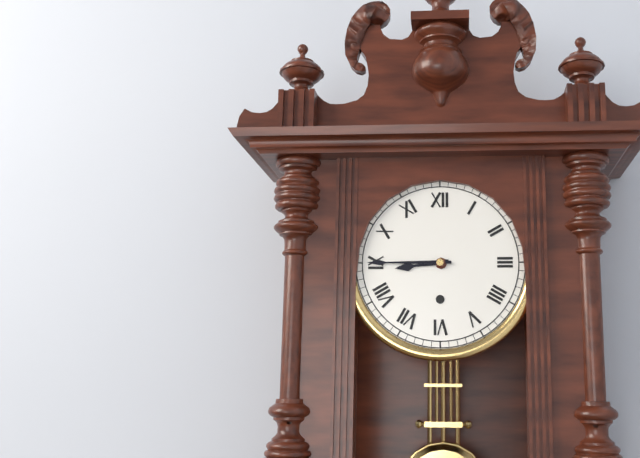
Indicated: 8 h 45 min
